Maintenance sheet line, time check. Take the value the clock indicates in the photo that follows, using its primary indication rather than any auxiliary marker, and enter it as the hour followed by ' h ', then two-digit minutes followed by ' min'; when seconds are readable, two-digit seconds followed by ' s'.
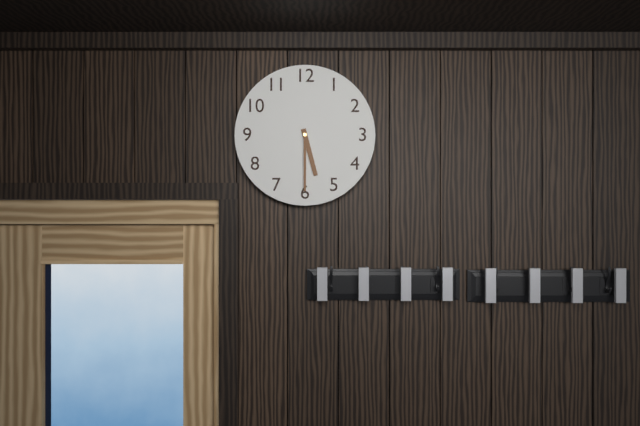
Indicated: 5 h 30 min
